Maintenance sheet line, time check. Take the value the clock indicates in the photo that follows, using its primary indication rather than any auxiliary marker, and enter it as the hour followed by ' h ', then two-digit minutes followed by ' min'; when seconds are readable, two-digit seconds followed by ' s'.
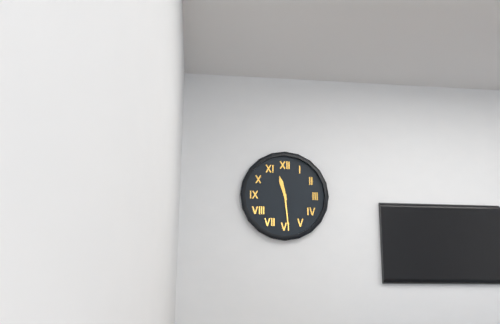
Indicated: 11 h 29 min
